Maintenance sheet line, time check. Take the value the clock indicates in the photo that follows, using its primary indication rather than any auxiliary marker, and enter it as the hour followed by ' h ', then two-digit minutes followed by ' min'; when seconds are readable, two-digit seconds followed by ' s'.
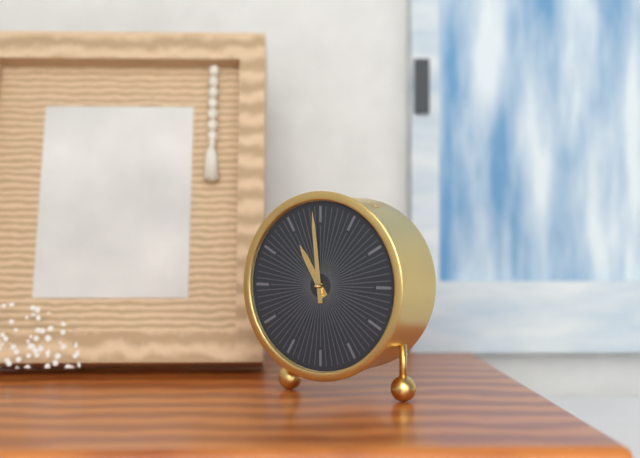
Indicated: 10 h 59 min
